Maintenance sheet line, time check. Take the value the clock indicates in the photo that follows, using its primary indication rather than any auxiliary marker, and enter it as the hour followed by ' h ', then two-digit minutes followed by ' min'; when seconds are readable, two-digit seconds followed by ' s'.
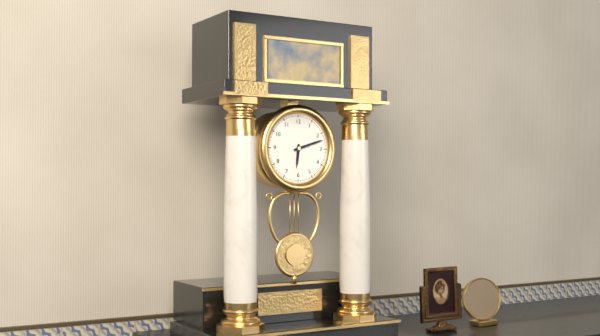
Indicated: 6 h 12 min
